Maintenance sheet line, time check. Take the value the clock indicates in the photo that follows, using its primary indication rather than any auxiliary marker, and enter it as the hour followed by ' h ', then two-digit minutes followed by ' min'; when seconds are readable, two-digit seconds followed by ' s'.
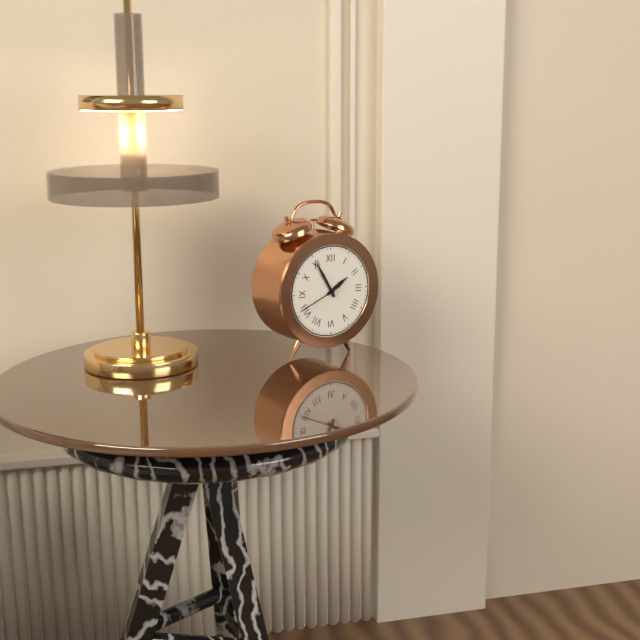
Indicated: 1 h 55 min
